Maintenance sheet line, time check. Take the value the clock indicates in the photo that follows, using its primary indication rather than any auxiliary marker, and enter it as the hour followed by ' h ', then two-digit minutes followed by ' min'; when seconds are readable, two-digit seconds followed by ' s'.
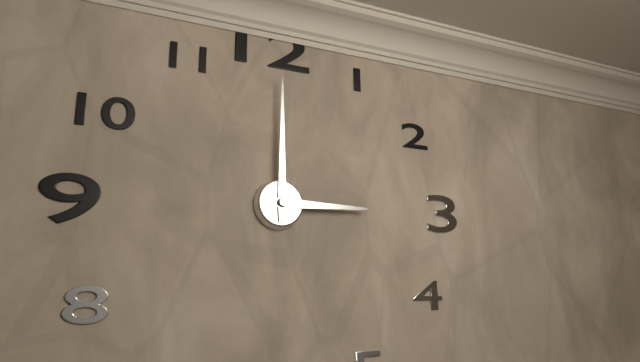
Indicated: 3 h 00 min
